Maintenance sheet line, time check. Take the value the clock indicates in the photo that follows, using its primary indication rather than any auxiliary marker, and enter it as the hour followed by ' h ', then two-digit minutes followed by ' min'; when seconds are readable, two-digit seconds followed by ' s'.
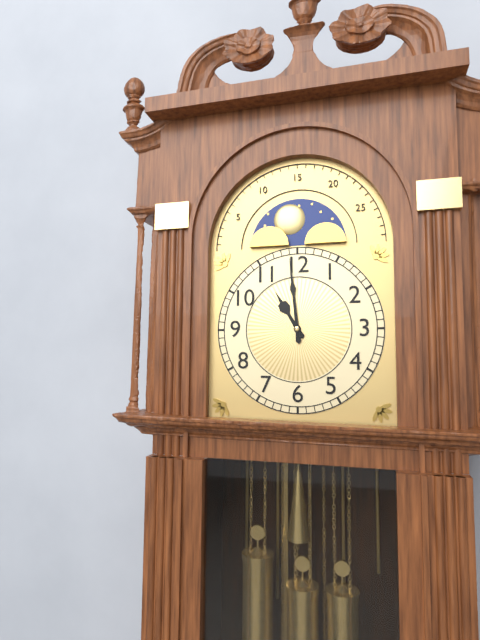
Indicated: 10 h 59 min
